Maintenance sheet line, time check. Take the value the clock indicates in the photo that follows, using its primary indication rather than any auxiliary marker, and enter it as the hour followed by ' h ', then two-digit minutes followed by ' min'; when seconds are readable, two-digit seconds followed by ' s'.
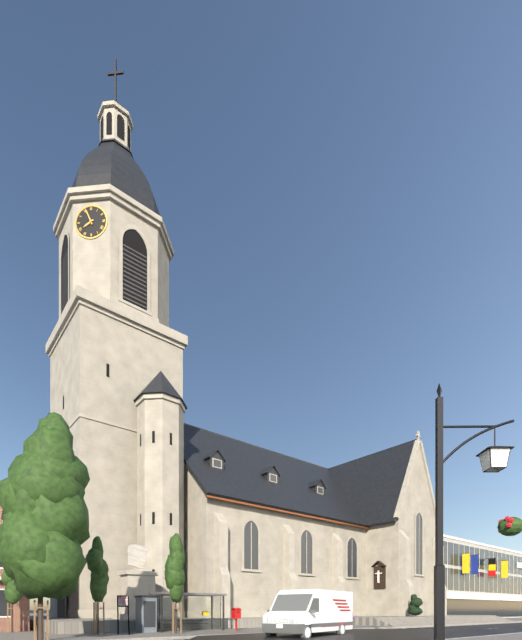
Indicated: 7 h 56 min
